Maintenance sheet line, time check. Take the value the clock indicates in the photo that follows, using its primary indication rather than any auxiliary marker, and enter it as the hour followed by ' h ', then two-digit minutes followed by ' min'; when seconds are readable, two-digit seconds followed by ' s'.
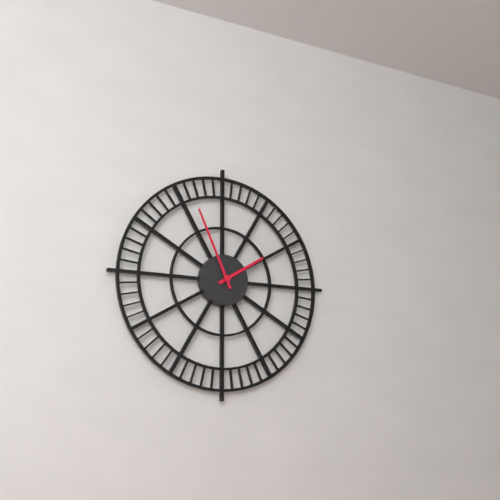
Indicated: 1 h 56 min
